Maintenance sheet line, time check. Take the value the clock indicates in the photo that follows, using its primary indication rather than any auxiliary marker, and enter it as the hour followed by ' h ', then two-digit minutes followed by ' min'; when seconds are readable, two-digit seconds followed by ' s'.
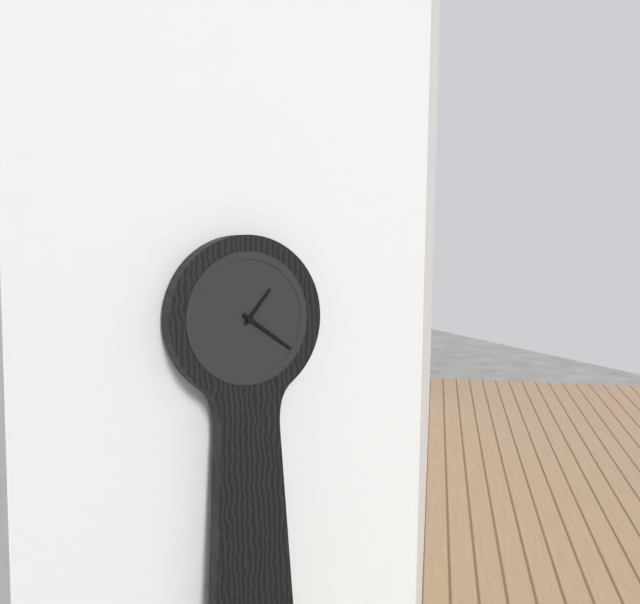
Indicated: 1 h 21 min
